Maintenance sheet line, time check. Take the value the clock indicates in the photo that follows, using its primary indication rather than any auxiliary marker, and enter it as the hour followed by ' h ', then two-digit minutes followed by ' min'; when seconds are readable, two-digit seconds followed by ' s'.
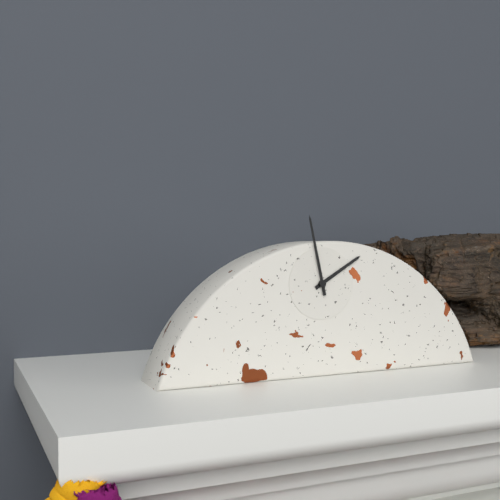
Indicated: 1 h 58 min
